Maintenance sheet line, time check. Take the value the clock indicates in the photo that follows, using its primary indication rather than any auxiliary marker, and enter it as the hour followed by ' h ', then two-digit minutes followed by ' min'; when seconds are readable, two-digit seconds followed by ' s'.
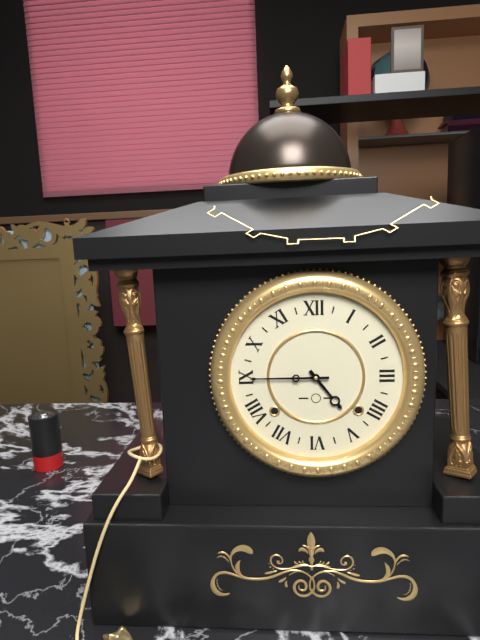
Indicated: 4 h 45 min
